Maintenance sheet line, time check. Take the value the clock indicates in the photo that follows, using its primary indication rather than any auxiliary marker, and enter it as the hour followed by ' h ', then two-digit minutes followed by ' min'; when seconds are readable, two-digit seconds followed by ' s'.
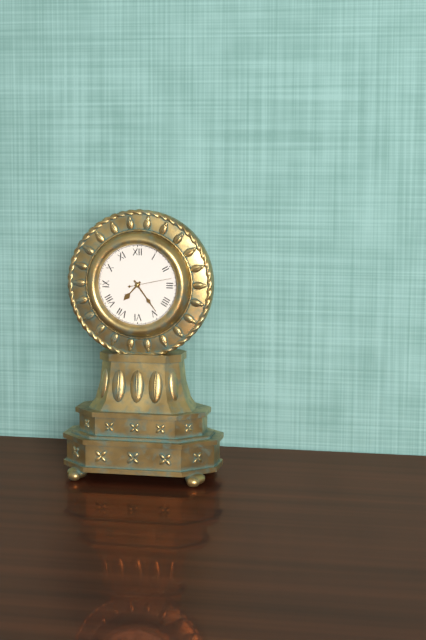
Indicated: 7 h 24 min
